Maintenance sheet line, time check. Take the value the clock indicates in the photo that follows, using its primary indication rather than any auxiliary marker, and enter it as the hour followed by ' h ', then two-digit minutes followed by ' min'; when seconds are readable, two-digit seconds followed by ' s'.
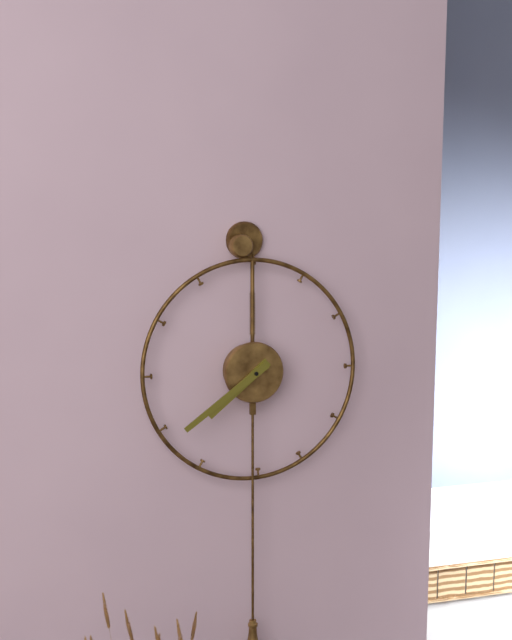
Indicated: 7 h 39 min
